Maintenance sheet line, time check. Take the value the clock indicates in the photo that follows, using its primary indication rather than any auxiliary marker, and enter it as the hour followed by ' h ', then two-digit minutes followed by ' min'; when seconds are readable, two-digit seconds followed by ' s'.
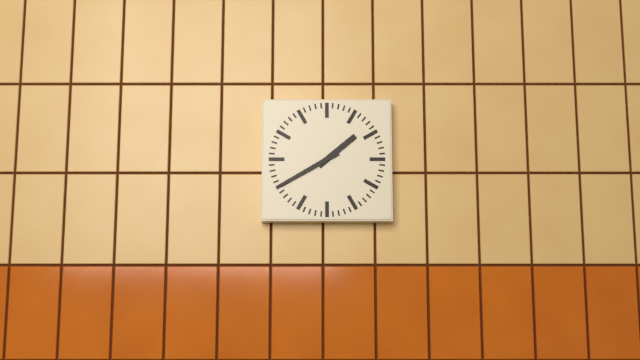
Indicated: 1 h 40 min
